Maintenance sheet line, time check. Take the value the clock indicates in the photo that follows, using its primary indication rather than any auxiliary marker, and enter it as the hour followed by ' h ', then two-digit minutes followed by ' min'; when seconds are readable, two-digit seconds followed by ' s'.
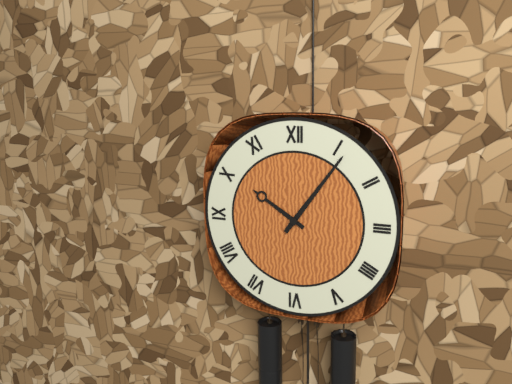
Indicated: 10 h 06 min
